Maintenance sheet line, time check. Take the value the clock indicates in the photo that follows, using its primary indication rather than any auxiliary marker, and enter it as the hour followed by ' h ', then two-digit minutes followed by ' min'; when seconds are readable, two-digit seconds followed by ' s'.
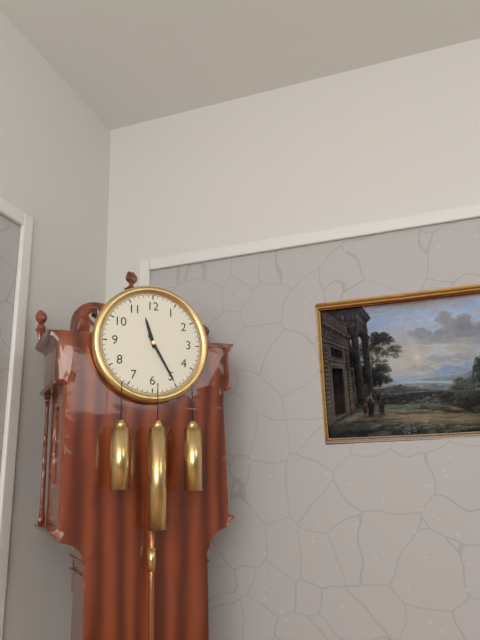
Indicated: 11 h 25 min
